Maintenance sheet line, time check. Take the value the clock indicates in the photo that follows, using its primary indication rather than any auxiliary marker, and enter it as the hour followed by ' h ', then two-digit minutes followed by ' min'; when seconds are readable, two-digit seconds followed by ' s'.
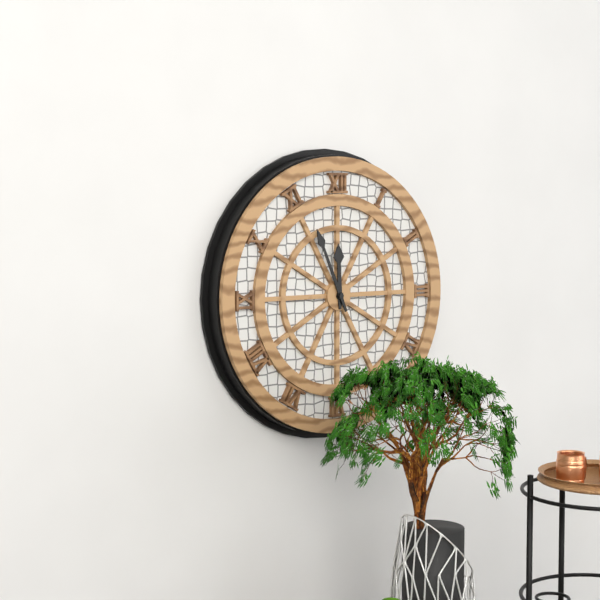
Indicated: 11 h 56 min
